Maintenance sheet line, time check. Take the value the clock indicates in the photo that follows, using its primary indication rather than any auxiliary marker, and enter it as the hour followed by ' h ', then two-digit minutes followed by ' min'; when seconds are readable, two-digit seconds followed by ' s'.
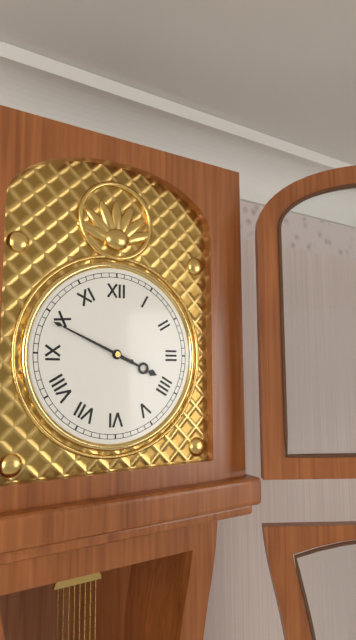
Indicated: 3 h 49 min
